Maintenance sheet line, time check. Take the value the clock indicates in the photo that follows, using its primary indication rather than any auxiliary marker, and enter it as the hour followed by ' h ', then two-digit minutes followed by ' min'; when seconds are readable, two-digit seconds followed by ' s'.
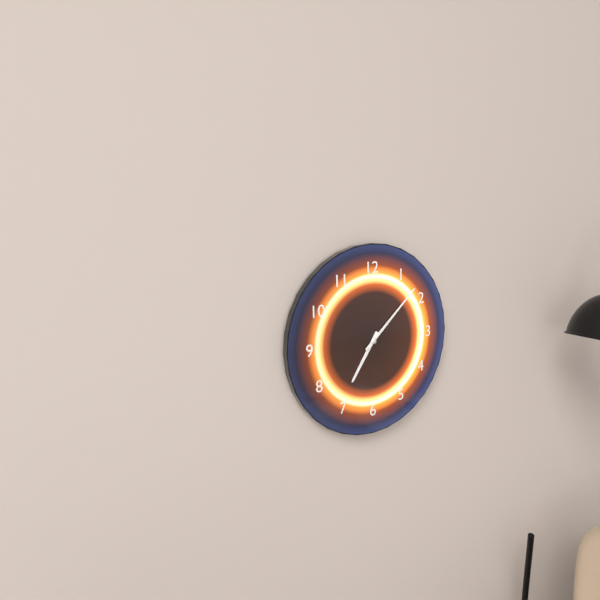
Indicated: 7 h 08 min
